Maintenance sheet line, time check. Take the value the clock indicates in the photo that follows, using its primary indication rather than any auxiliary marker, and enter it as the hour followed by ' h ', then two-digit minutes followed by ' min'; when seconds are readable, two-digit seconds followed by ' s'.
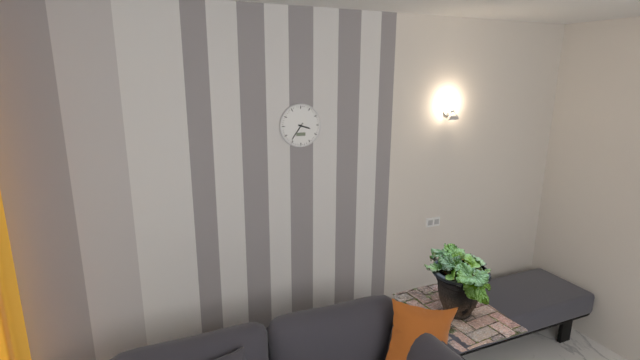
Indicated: 3 h 36 min
